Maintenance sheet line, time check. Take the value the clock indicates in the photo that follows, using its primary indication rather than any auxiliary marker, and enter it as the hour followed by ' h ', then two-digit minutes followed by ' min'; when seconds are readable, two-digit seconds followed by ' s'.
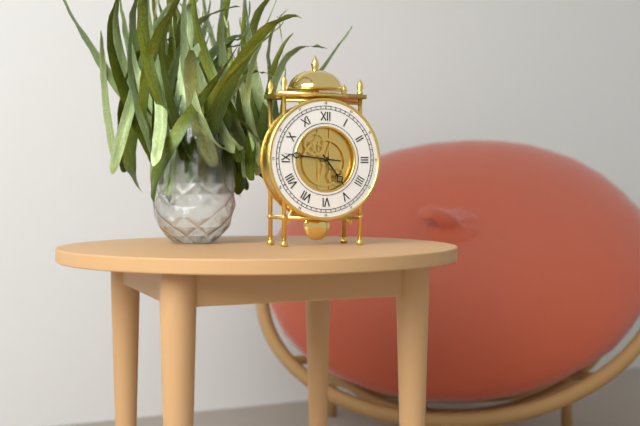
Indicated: 4 h 46 min
